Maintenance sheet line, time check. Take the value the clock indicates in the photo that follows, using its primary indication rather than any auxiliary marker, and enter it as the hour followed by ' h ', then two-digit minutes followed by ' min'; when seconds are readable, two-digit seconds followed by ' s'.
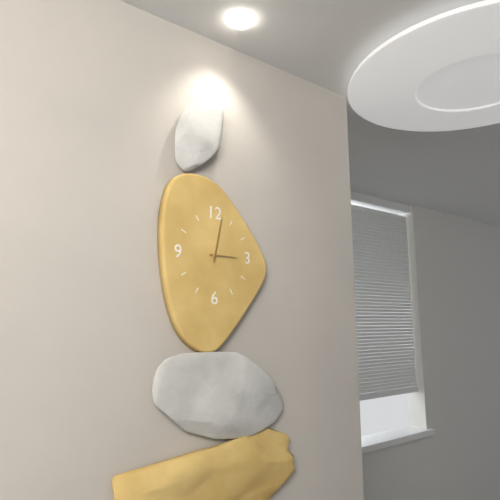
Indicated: 3 h 02 min
